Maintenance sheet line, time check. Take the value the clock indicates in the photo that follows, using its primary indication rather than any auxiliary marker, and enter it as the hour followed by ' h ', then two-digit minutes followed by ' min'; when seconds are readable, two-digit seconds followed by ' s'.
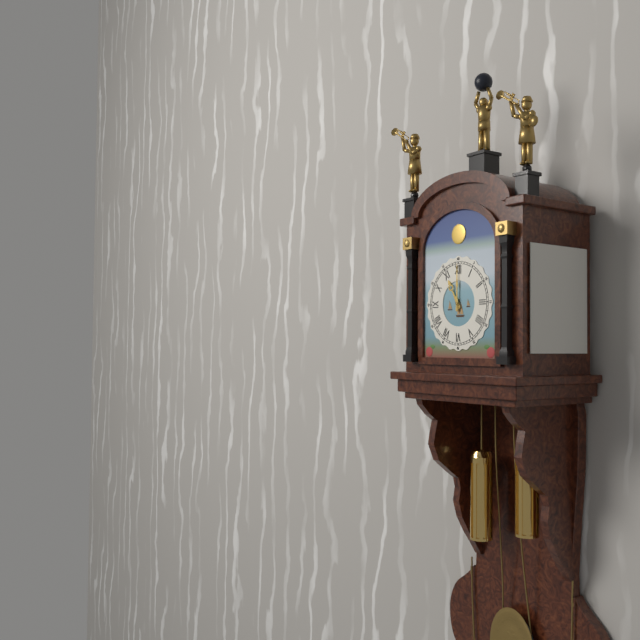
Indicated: 11 h 00 min
